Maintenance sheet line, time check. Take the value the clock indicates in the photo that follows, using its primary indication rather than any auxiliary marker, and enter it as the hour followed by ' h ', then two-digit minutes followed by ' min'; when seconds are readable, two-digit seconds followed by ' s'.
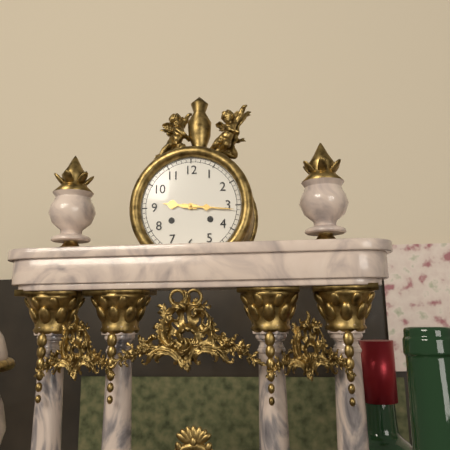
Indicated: 9 h 16 min
